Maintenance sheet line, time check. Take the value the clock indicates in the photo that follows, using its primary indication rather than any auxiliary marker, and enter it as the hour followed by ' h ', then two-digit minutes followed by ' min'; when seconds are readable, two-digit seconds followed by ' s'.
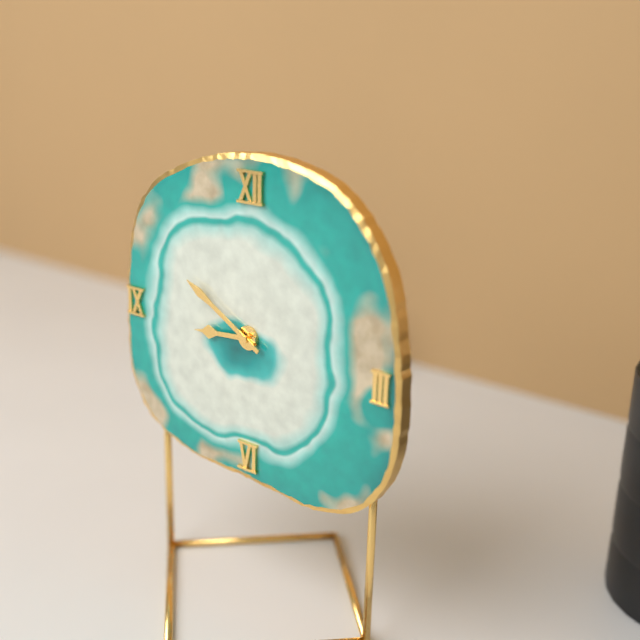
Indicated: 8 h 50 min
